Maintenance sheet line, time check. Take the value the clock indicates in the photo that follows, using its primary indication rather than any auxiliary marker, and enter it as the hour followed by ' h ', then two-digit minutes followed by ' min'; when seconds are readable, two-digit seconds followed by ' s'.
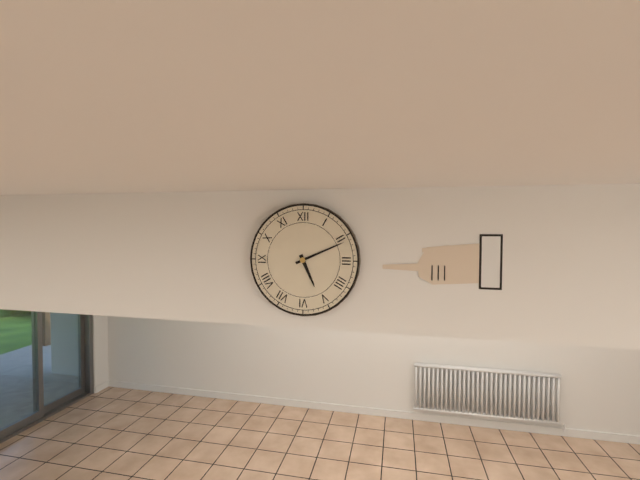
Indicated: 5 h 11 min
